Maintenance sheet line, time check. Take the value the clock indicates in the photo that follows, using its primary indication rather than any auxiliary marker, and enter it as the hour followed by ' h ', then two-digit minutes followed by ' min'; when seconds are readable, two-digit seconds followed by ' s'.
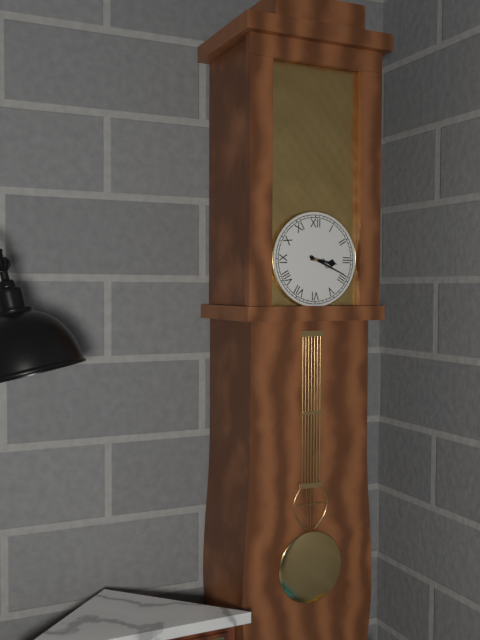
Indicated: 3 h 19 min
